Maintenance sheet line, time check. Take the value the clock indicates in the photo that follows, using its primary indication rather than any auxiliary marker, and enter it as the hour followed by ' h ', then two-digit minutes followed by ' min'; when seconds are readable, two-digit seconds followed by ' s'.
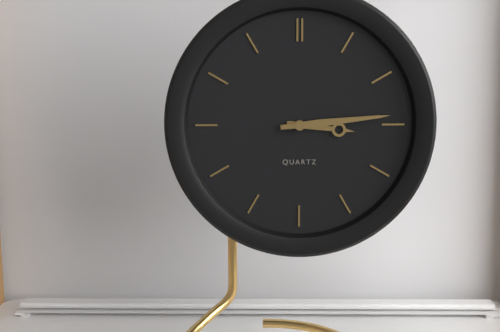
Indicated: 3 h 14 min
